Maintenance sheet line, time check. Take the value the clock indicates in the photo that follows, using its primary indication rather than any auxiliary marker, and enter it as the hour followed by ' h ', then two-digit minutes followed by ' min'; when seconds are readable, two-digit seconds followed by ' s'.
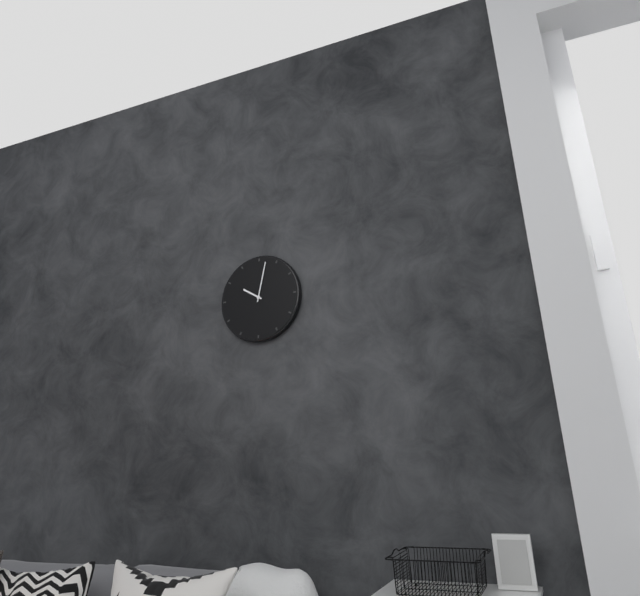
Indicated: 10 h 02 min
